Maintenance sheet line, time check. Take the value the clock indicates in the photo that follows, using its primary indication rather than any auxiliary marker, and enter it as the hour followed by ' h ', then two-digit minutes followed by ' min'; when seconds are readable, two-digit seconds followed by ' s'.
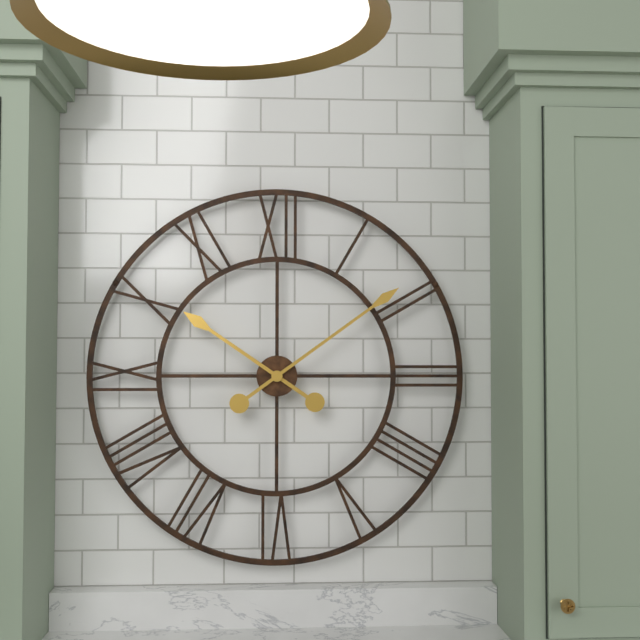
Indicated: 10 h 09 min
